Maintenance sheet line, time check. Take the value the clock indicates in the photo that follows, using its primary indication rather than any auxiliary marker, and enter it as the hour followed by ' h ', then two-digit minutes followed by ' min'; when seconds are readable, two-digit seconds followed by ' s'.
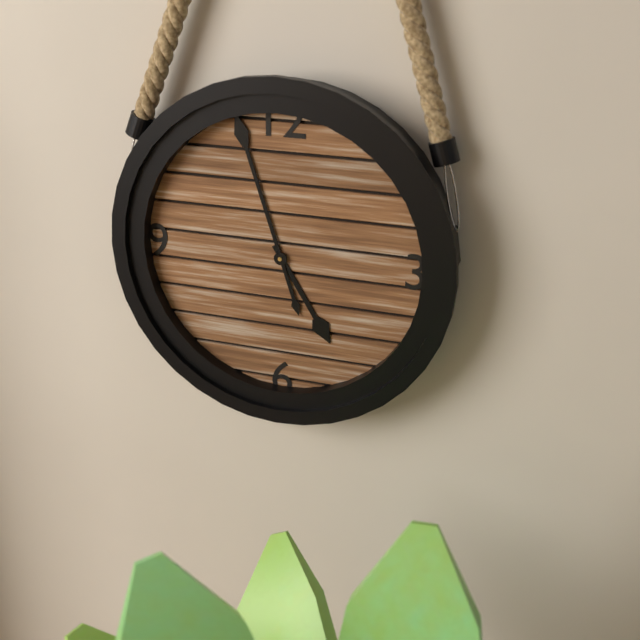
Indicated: 4 h 57 min
